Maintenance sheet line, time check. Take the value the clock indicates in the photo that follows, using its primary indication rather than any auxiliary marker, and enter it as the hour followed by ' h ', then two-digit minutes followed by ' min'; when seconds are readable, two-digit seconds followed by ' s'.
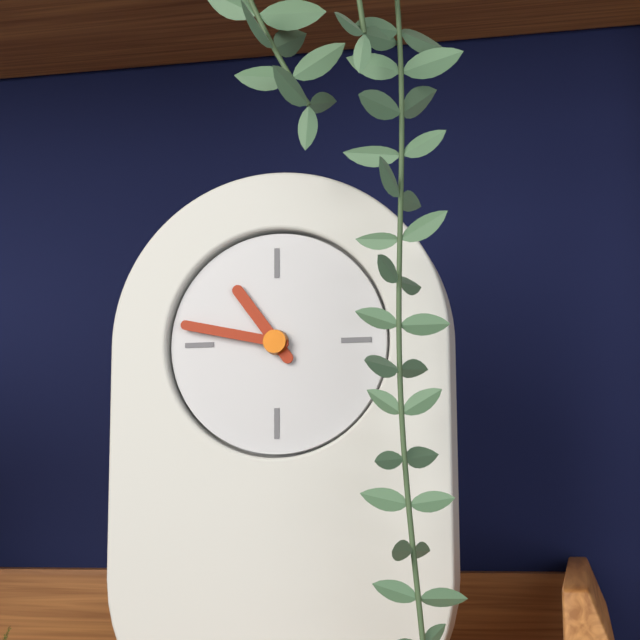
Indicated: 10 h 47 min
